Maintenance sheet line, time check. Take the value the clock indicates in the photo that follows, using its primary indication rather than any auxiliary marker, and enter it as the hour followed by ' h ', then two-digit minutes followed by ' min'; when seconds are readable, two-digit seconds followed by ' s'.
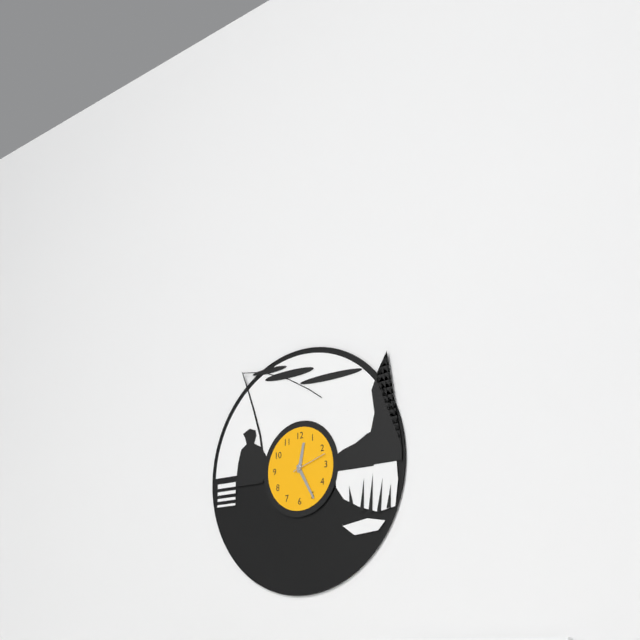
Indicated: 12 h 25 min
